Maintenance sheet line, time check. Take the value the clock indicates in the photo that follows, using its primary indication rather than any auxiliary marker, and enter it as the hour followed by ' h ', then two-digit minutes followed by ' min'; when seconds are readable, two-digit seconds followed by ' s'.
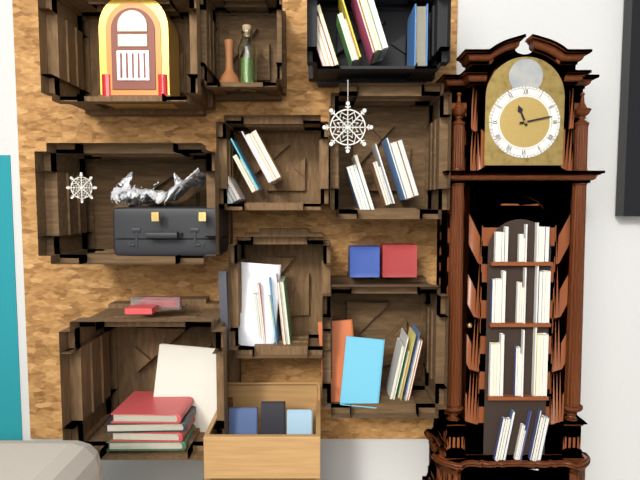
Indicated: 11 h 13 min
